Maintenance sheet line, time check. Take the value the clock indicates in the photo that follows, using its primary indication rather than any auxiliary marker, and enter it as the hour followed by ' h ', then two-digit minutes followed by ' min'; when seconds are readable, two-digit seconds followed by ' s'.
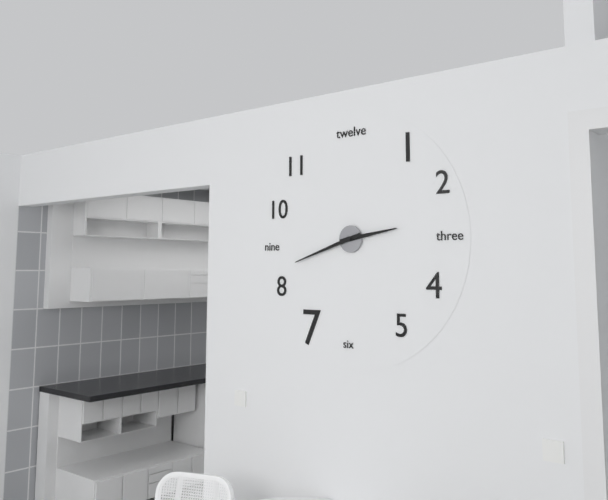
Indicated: 2 h 42 min
